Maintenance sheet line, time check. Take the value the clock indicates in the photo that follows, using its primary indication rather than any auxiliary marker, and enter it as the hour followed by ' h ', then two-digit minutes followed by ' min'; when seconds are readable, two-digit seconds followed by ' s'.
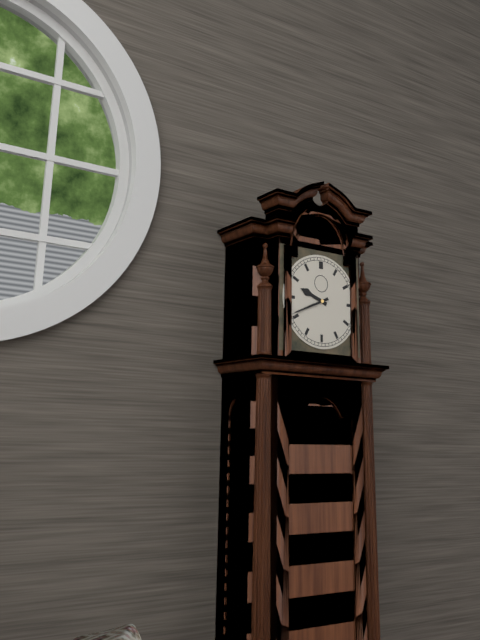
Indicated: 9 h 41 min
